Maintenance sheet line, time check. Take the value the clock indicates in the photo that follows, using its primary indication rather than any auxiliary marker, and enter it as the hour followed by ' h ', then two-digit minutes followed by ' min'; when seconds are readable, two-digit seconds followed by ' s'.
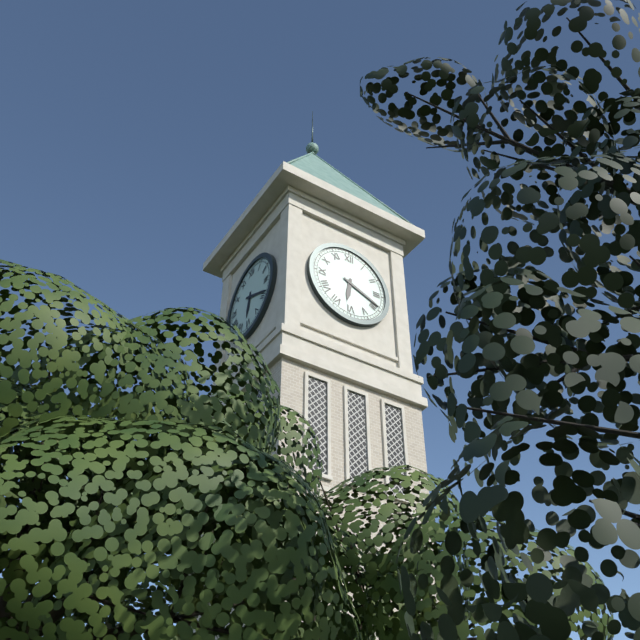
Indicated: 6 h 19 min
